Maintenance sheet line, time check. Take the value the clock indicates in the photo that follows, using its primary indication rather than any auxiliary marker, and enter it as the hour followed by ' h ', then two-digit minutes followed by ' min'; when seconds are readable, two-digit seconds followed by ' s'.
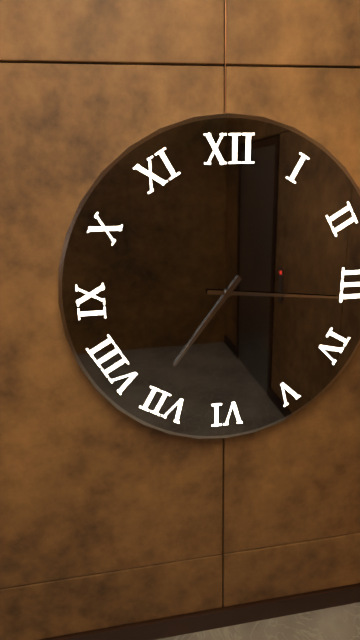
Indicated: 7 h 16 min
